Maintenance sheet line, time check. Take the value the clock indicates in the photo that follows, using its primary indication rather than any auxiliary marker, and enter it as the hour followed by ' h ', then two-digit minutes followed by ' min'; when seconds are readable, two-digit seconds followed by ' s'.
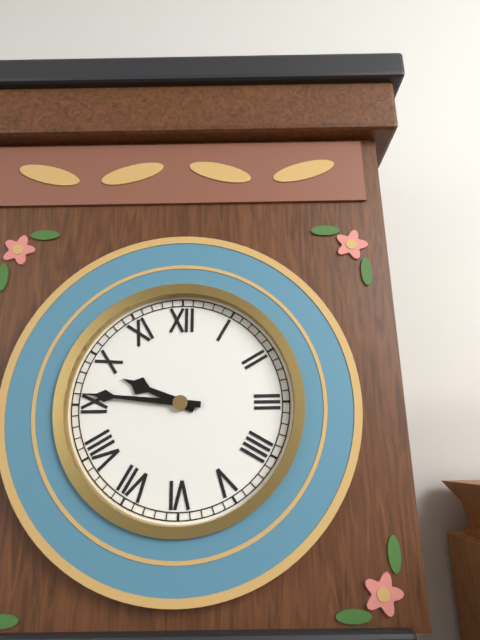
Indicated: 9 h 46 min
